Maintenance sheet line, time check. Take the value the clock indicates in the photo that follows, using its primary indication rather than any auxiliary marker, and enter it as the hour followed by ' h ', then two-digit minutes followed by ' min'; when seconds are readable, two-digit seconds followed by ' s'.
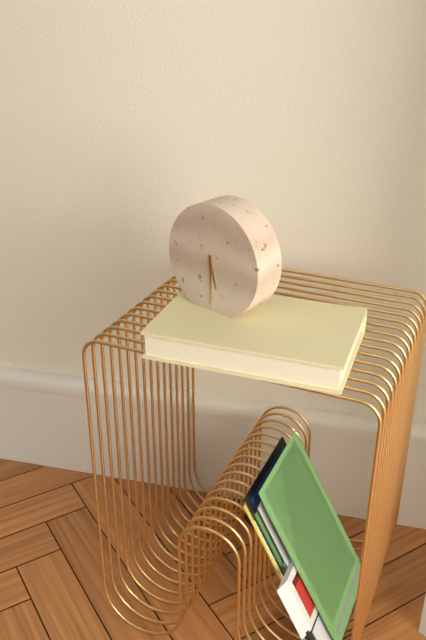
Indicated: 5 h 30 min
